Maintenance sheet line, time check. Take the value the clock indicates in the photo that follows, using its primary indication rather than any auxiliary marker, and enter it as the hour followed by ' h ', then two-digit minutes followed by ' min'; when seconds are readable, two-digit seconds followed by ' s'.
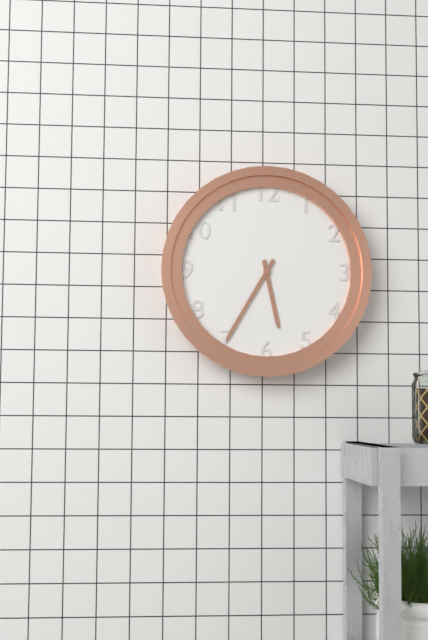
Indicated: 5 h 35 min
